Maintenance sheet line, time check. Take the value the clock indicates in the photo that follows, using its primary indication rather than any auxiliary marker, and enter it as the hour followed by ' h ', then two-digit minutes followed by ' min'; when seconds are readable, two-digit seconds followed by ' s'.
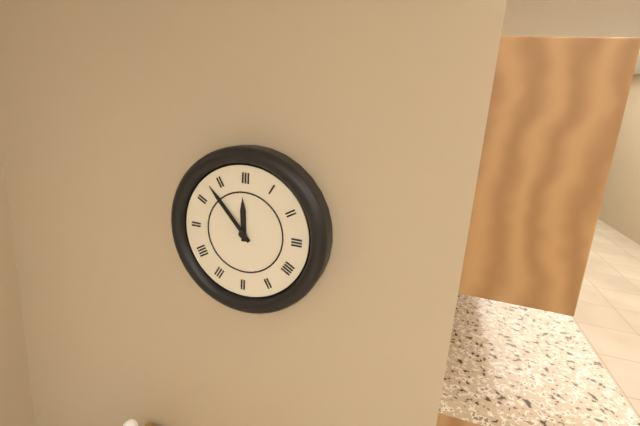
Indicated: 11 h 53 min
